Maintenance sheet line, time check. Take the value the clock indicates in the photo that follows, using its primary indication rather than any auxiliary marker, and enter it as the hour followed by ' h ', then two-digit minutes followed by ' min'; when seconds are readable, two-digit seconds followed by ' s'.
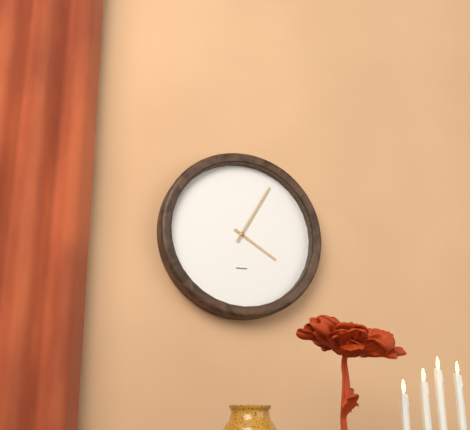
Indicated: 4 h 05 min
